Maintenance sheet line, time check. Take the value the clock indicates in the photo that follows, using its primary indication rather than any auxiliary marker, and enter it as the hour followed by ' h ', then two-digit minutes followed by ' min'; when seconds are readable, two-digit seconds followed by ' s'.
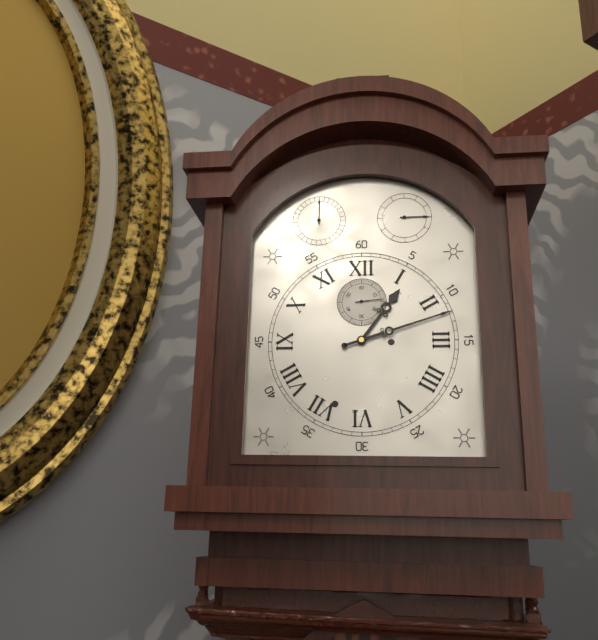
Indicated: 1 h 12 min
